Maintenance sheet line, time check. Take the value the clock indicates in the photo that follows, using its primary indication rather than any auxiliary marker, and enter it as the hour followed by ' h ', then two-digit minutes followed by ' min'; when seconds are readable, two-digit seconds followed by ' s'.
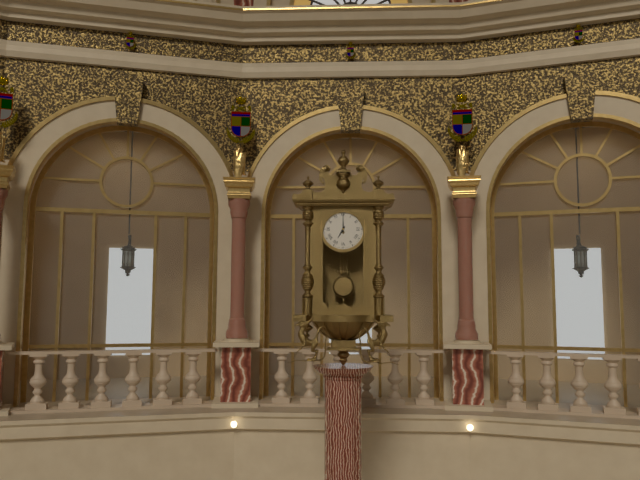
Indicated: 7 h 00 min
